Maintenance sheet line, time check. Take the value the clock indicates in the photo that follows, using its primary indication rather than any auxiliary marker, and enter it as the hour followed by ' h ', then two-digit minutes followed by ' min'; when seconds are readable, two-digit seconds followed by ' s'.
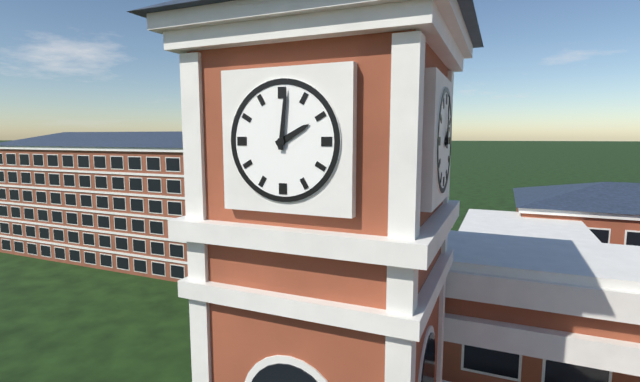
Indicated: 2 h 01 min
